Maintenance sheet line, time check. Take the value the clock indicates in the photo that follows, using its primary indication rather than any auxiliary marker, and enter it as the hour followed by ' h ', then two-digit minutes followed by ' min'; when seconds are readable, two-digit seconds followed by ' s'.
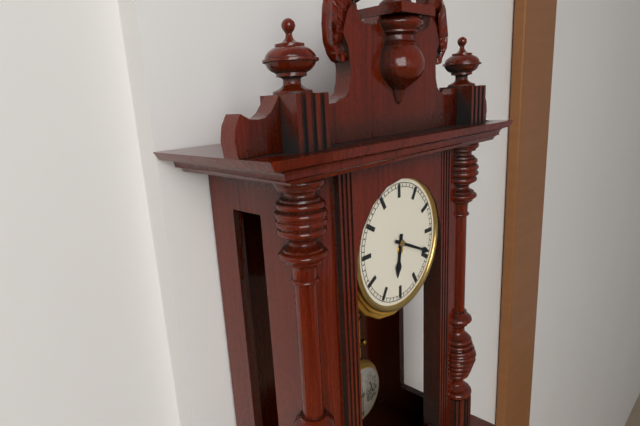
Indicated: 6 h 19 min
